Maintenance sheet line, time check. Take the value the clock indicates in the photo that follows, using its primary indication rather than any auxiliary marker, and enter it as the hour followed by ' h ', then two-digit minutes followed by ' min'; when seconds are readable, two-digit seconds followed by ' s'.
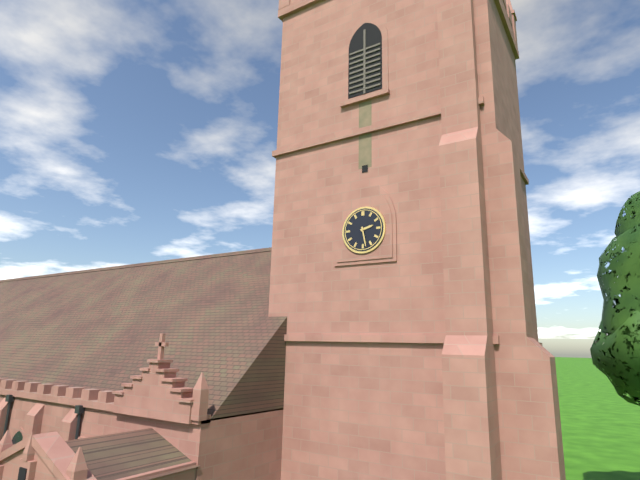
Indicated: 2 h 28 min
